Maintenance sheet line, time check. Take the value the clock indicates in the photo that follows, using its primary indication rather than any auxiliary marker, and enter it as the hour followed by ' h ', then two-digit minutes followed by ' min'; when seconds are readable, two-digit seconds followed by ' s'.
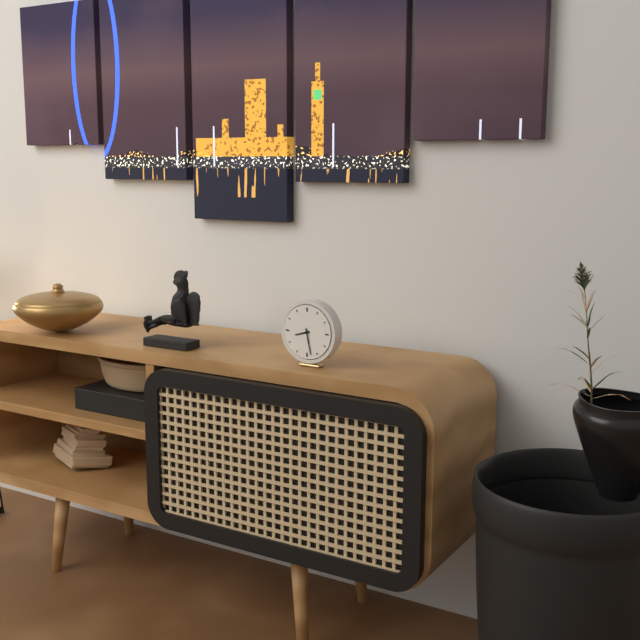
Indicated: 8 h 28 min
